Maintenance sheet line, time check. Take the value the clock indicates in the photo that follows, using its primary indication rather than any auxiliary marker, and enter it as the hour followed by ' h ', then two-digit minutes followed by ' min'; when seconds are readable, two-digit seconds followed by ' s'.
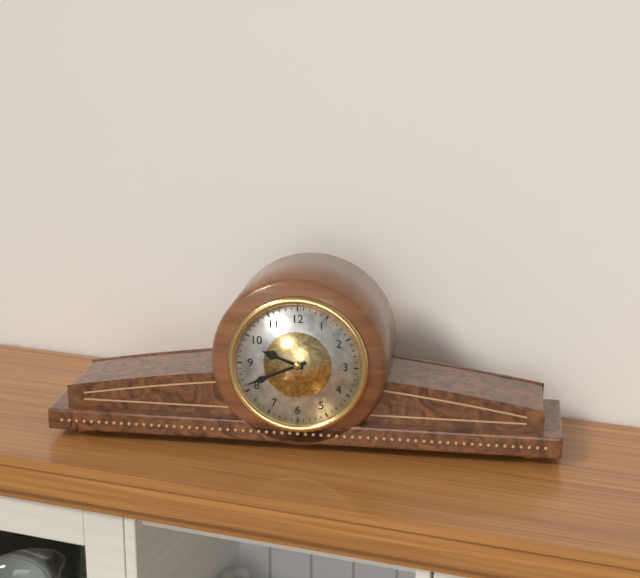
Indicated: 9 h 41 min
